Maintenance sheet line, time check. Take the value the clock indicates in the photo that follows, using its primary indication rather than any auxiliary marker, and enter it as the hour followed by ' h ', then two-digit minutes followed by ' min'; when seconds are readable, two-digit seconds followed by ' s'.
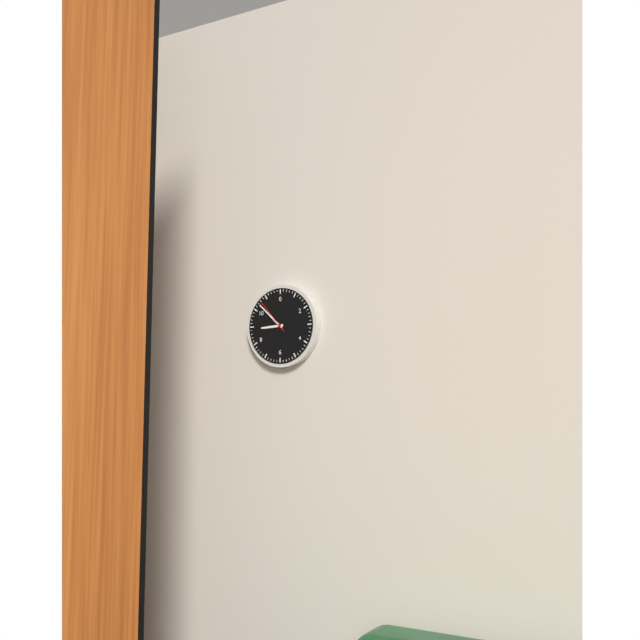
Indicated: 8 h 52 min
